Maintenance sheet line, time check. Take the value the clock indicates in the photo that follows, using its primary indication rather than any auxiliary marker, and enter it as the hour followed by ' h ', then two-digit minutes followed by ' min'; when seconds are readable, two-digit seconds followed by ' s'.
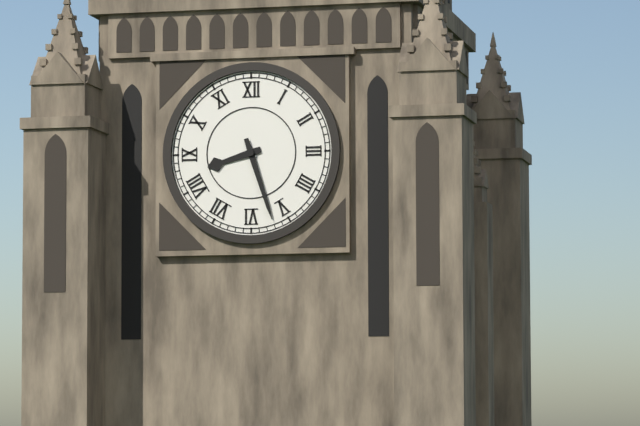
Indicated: 8 h 27 min
